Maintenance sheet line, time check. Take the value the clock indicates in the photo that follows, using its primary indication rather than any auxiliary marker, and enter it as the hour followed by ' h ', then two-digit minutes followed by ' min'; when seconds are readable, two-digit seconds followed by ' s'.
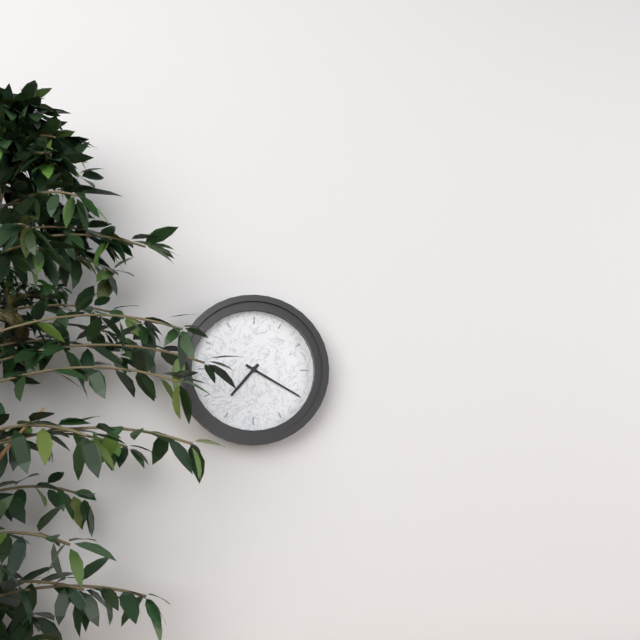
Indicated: 7 h 20 min
